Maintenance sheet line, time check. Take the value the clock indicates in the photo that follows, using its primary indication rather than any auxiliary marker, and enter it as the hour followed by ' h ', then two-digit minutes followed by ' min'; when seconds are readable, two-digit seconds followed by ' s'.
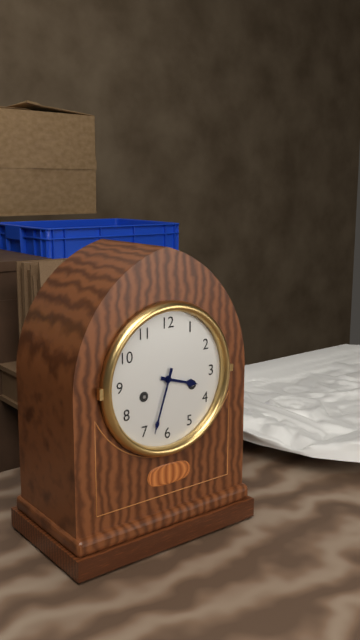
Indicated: 3 h 33 min
